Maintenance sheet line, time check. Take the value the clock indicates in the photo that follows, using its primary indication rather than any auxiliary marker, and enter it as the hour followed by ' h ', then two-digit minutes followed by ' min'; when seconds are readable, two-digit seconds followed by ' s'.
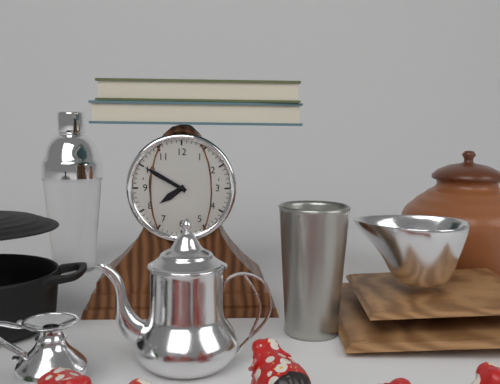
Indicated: 7 h 50 min
